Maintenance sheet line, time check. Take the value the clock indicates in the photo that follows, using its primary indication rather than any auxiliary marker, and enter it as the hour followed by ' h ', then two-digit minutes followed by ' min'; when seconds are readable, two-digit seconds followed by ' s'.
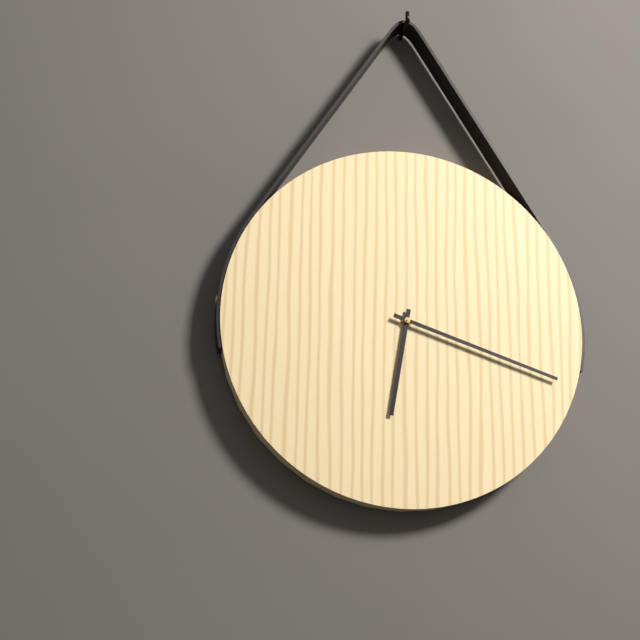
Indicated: 6 h 18 min
